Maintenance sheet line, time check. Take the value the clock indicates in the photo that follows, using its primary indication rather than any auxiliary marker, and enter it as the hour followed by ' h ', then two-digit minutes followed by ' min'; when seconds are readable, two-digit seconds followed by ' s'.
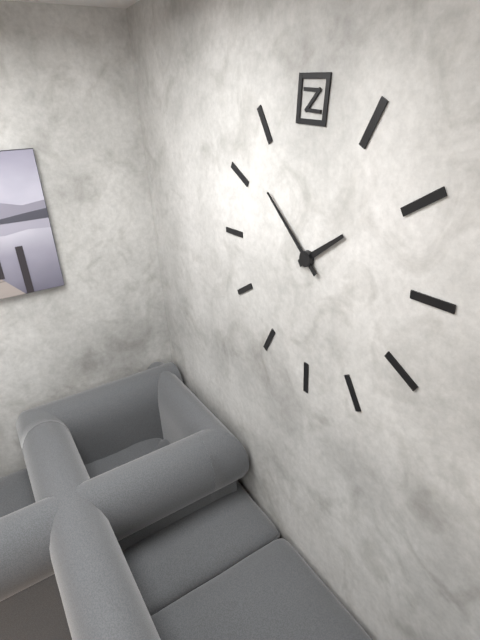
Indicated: 1 h 52 min
